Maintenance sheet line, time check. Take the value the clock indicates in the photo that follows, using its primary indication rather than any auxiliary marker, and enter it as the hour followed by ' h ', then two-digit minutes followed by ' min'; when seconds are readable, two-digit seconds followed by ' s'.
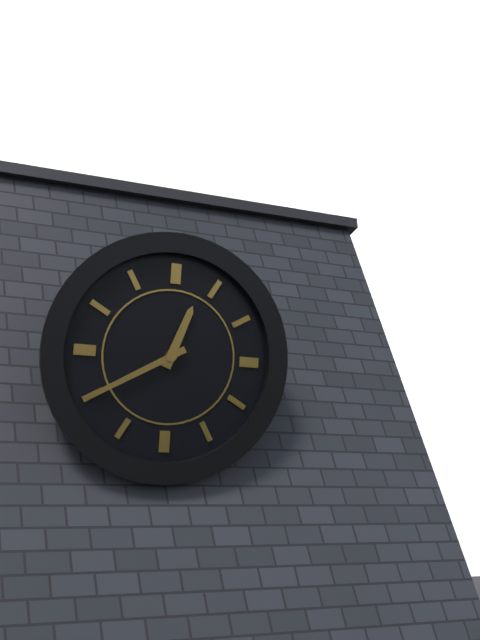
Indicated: 12 h 40 min
